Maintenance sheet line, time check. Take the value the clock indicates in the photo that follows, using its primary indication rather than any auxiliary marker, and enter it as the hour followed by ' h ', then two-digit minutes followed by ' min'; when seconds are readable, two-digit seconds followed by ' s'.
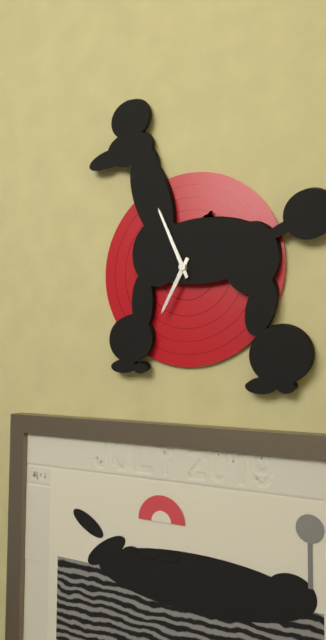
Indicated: 6 h 56 min
